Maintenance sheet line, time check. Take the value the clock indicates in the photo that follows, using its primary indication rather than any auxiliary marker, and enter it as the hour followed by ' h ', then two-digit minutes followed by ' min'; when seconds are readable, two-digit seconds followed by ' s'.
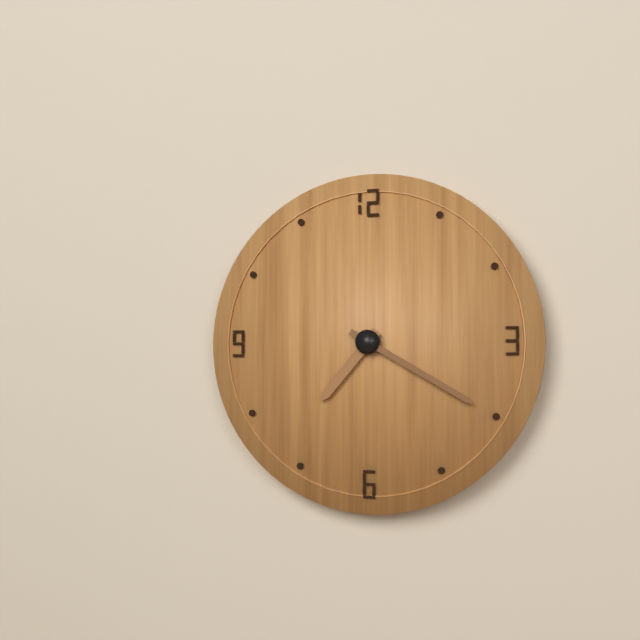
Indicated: 7 h 20 min
